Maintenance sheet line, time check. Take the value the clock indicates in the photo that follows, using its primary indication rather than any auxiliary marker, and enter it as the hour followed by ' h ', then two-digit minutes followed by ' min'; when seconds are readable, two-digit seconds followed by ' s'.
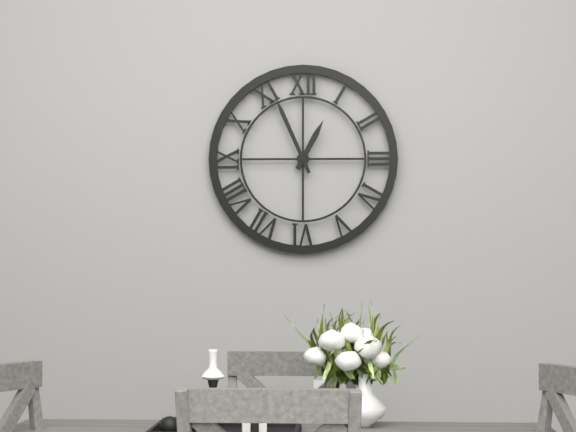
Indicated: 12 h 56 min
